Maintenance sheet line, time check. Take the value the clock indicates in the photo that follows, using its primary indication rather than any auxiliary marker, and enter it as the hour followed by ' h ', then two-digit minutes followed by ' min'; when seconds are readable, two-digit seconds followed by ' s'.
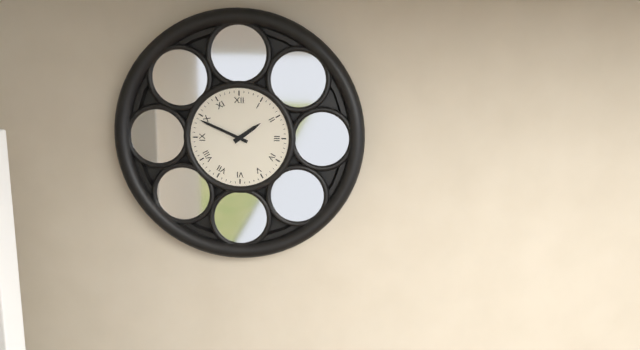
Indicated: 1 h 49 min
